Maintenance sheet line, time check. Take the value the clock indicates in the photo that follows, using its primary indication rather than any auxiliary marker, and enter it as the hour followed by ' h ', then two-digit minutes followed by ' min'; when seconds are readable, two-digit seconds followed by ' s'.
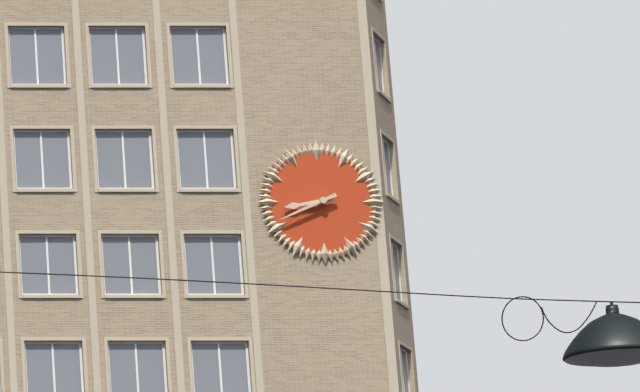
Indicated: 8 h 41 min
